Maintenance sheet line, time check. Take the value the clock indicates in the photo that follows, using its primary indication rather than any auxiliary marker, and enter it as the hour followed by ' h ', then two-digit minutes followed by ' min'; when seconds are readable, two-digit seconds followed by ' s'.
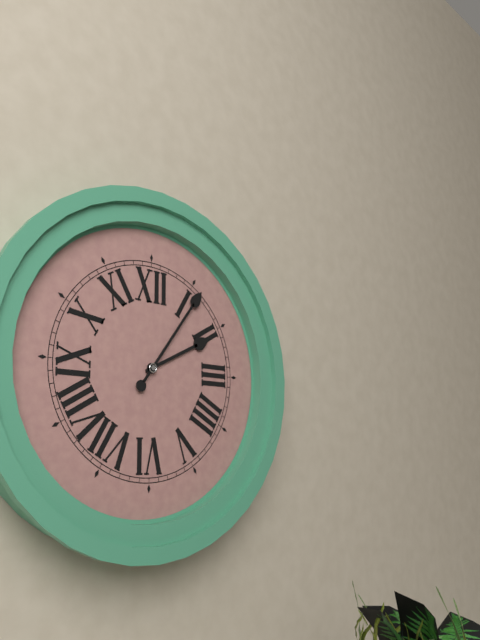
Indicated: 2 h 06 min
